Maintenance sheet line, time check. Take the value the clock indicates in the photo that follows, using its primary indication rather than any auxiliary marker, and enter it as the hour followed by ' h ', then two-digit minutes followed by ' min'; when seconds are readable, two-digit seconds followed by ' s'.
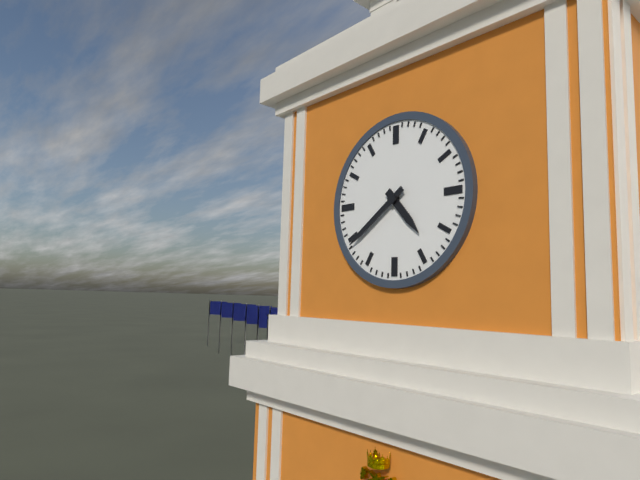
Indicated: 4 h 39 min
